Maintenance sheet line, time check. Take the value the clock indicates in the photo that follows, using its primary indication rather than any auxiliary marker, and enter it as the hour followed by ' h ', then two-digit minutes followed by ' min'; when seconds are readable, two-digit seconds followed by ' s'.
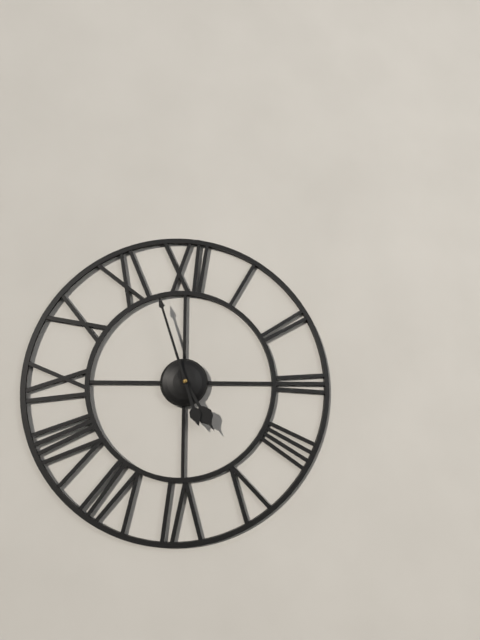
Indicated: 4 h 57 min
